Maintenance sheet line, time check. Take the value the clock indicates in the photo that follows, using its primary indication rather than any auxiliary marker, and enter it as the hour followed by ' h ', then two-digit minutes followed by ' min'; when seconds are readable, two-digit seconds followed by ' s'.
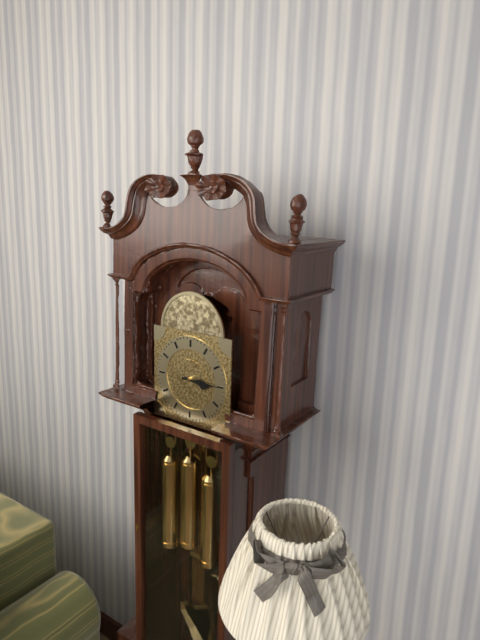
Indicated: 3 h 15 min
